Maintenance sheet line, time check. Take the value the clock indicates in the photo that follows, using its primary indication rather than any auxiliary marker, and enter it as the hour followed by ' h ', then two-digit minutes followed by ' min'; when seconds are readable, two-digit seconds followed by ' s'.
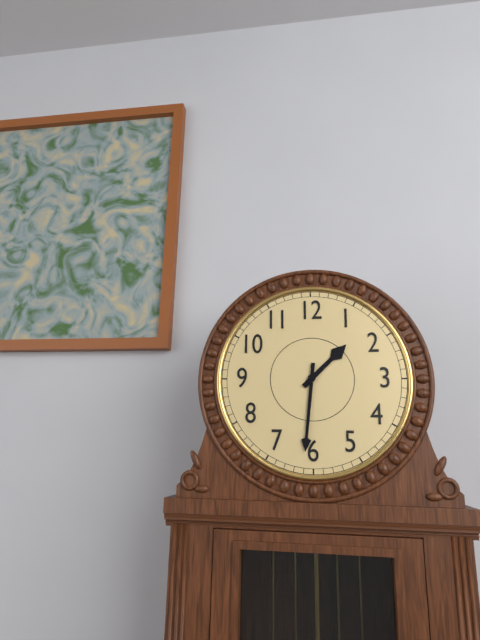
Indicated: 1 h 31 min
